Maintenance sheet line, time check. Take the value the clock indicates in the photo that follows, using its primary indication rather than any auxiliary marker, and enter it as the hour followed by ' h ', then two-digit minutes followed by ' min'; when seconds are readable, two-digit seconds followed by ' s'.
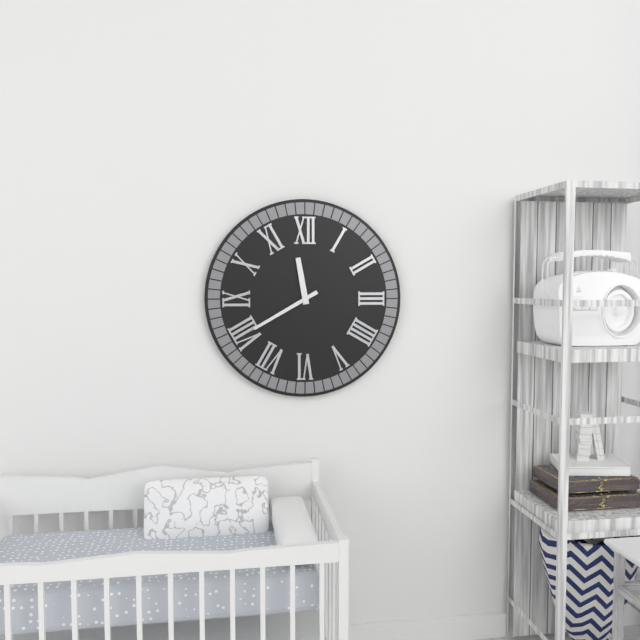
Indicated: 11 h 40 min
